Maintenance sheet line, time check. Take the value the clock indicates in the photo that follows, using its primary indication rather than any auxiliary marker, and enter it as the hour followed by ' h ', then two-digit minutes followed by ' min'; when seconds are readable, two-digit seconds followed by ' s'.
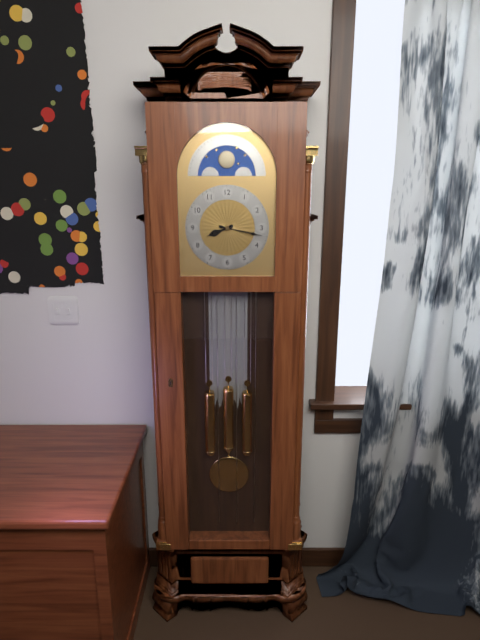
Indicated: 8 h 17 min
